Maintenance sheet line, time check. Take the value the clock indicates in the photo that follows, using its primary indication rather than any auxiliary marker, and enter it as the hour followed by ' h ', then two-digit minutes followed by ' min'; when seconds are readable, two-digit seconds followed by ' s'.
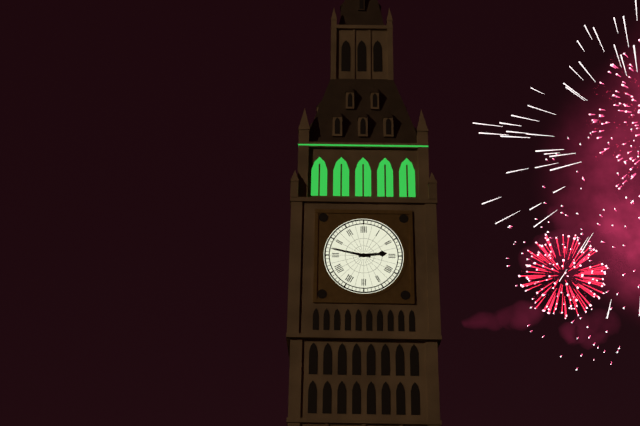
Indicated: 2 h 47 min
